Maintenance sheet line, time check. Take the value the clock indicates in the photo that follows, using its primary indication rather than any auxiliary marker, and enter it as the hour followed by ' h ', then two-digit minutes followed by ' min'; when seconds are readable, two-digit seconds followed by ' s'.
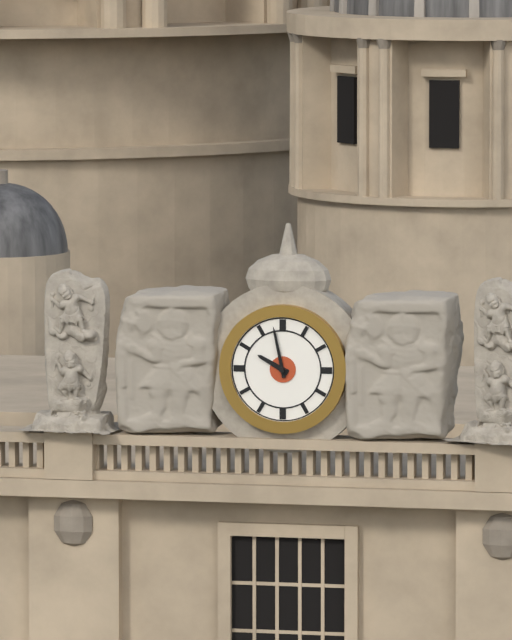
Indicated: 9 h 58 min
